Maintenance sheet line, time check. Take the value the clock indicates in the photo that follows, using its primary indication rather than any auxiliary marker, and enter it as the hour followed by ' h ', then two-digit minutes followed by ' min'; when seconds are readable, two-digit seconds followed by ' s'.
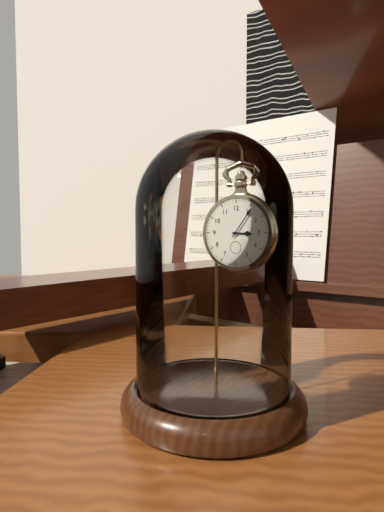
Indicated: 3 h 06 min
